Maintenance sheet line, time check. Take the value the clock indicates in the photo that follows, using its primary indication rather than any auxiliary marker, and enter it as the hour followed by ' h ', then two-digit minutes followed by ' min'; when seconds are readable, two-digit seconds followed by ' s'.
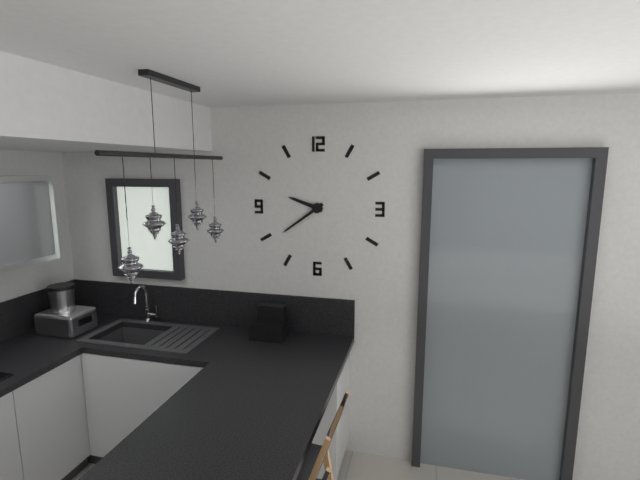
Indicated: 9 h 39 min
